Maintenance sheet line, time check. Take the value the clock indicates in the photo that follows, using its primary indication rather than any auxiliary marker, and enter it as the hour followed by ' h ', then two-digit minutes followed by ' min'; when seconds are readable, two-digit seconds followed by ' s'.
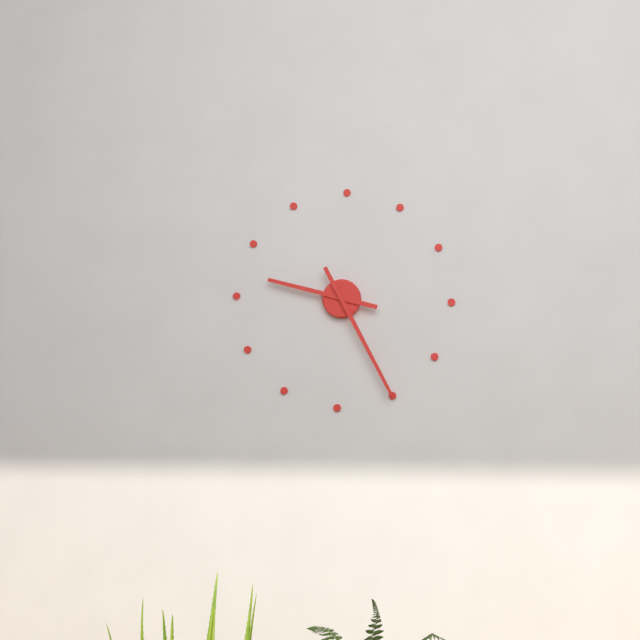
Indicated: 9 h 25 min
